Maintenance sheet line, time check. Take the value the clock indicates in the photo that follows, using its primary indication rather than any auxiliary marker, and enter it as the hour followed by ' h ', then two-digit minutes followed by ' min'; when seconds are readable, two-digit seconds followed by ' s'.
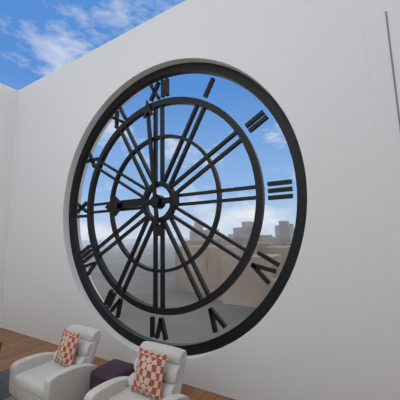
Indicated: 8 h 59 min
